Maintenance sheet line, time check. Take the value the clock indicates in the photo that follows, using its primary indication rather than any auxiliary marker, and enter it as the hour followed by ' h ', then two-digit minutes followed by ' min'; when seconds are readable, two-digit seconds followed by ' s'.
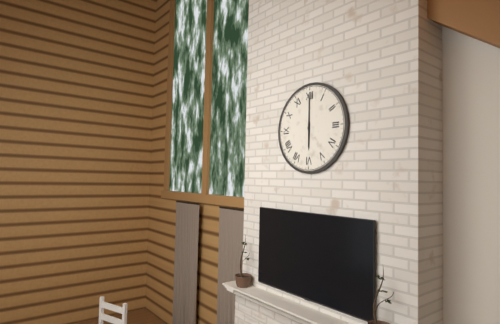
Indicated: 6 h 00 min
